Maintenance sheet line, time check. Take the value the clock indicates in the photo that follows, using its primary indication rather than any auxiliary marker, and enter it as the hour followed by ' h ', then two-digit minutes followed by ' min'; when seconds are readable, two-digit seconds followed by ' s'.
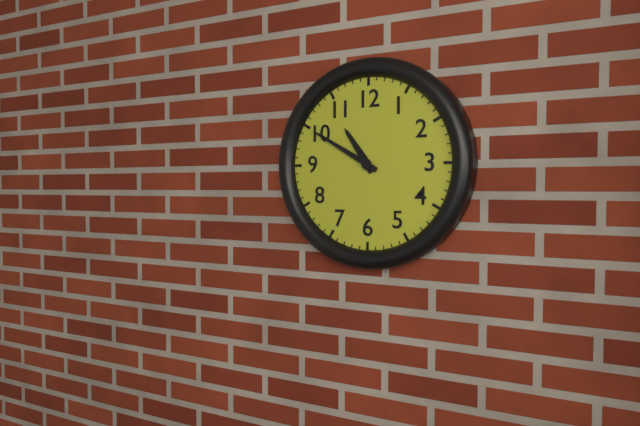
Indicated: 10 h 50 min
